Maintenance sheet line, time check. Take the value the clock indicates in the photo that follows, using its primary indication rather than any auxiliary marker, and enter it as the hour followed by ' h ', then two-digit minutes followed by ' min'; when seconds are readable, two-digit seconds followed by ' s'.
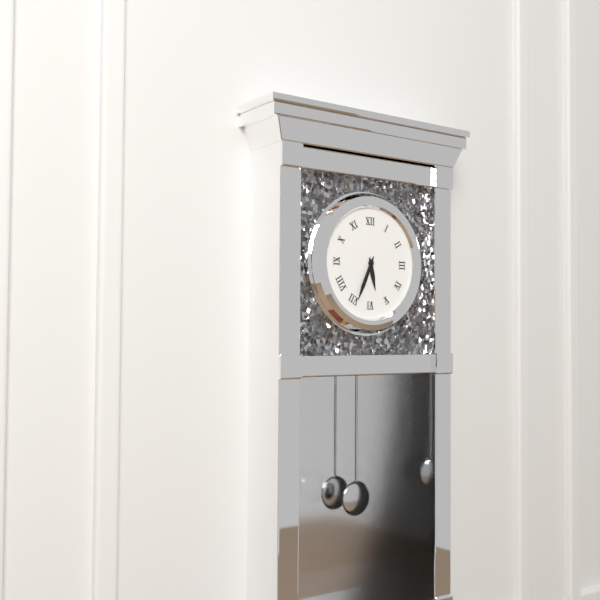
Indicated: 5 h 34 min
